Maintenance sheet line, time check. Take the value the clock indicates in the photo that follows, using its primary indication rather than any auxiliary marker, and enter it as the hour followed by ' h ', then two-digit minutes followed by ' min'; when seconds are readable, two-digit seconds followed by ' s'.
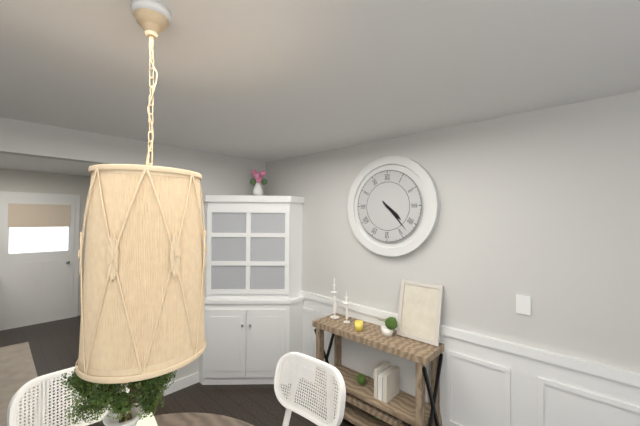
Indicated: 4 h 23 min
